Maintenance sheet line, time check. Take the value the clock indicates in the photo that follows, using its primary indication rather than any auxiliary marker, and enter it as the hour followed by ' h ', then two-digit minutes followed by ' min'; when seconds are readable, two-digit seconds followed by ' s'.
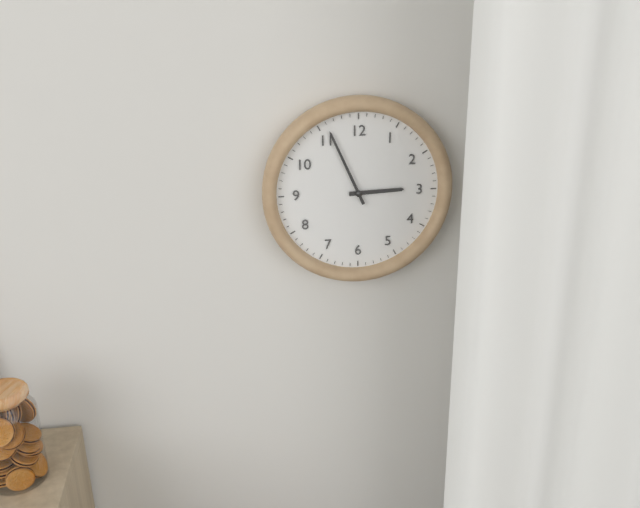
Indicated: 2 h 56 min
